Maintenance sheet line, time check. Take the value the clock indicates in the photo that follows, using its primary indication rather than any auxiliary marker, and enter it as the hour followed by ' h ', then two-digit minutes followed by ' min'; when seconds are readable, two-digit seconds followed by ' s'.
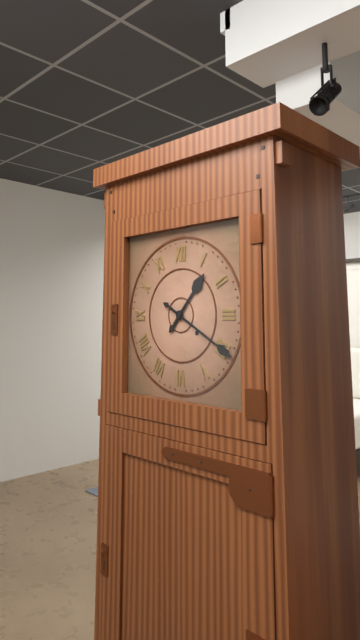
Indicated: 1 h 20 min
